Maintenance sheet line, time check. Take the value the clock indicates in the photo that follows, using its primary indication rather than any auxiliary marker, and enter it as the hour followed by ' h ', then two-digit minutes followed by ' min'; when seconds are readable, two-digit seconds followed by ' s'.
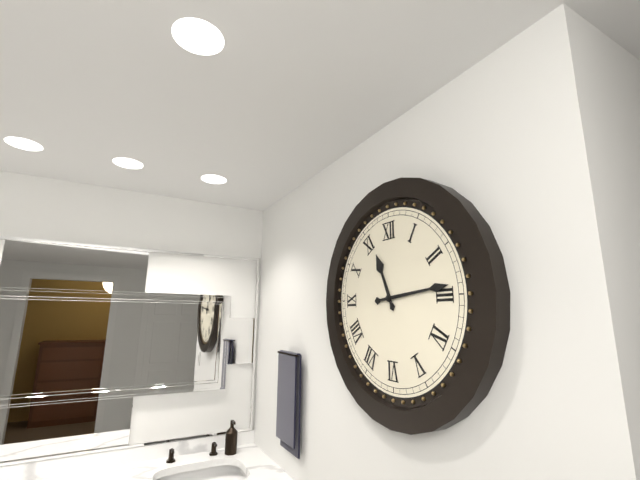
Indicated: 11 h 14 min
